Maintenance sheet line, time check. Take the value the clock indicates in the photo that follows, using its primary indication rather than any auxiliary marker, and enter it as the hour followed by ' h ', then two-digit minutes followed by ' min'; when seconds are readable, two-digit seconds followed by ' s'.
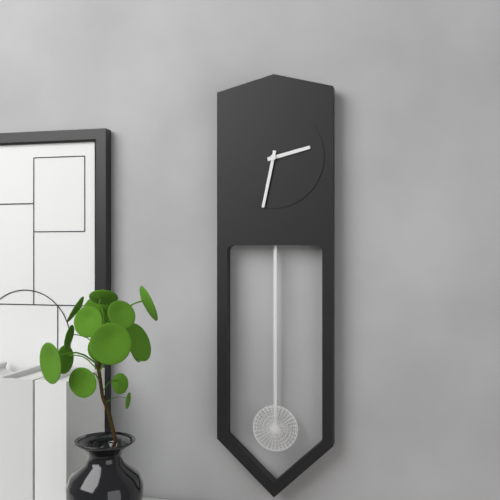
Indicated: 2 h 32 min
